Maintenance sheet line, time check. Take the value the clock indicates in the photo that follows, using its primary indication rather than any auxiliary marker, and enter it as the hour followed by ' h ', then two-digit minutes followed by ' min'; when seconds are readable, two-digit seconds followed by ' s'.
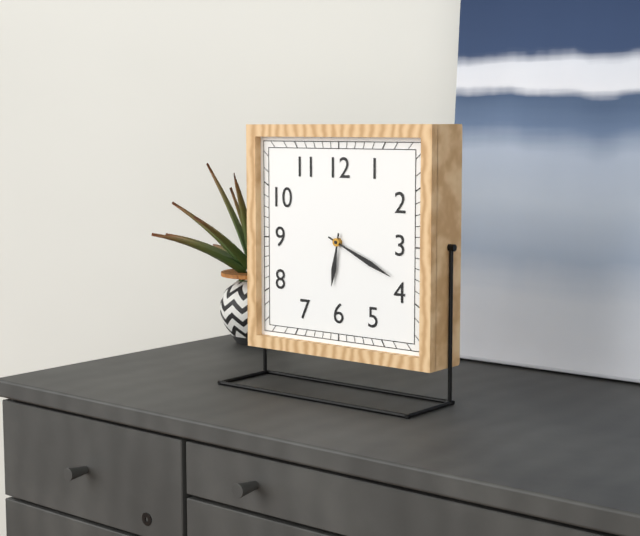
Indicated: 6 h 19 min
